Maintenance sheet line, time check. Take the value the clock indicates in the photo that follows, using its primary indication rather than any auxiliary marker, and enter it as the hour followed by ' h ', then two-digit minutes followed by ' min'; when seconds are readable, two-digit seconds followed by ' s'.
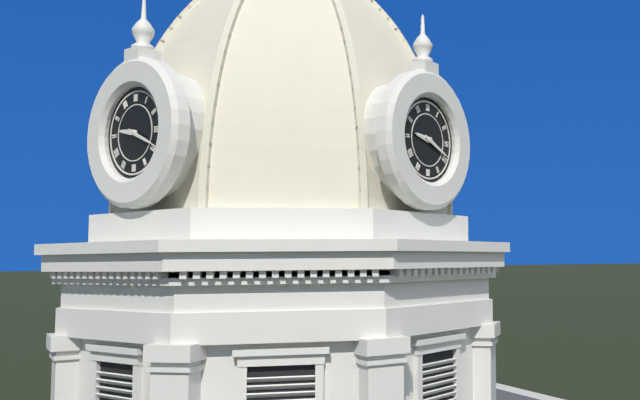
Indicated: 9 h 19 min
